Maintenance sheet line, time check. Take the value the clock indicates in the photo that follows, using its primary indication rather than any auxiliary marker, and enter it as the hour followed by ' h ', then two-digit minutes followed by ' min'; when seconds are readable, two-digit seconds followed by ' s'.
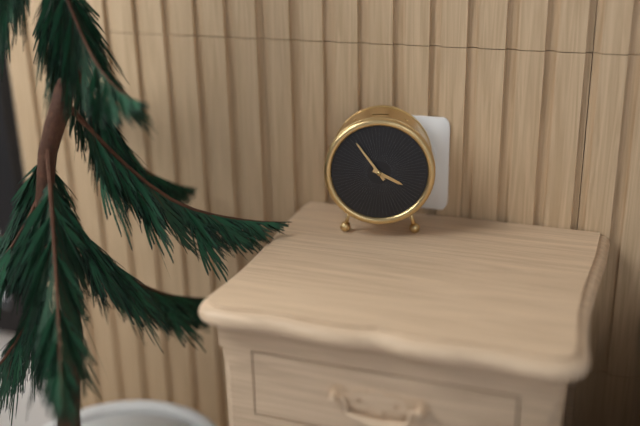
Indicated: 3 h 54 min
